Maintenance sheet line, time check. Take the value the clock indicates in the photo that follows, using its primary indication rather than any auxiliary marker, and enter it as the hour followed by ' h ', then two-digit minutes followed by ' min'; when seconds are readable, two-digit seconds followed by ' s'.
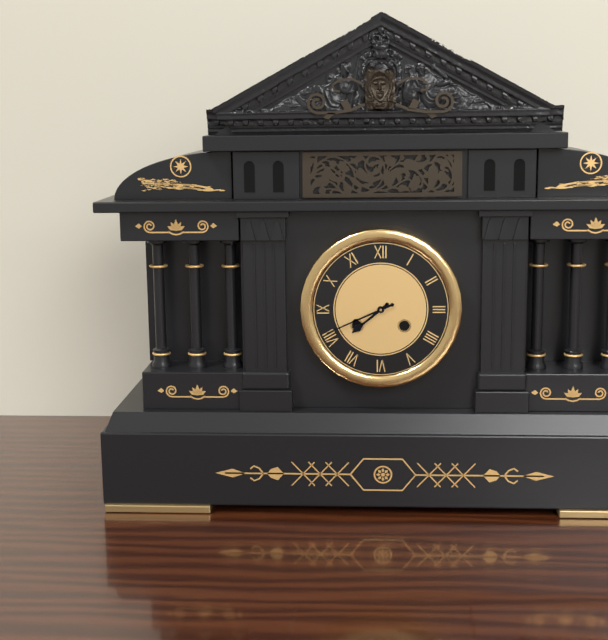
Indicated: 7 h 41 min
